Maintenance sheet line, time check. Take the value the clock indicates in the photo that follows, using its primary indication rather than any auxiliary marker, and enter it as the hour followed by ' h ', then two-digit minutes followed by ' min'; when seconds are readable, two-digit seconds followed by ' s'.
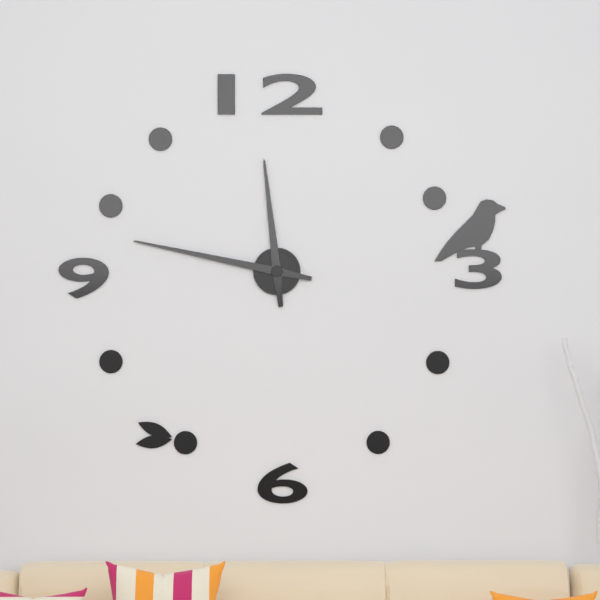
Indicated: 11 h 47 min
